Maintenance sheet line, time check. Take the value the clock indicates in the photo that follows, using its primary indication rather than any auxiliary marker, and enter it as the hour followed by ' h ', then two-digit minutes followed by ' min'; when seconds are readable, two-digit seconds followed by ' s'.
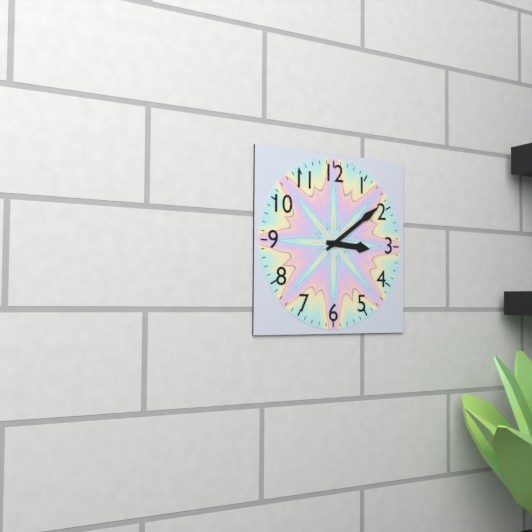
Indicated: 3 h 09 min
